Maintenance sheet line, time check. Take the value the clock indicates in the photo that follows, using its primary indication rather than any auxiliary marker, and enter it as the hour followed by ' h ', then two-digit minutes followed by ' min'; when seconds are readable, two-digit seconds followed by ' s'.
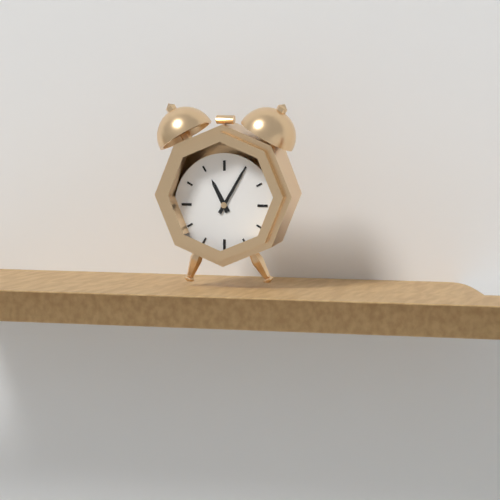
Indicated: 11 h 05 min
